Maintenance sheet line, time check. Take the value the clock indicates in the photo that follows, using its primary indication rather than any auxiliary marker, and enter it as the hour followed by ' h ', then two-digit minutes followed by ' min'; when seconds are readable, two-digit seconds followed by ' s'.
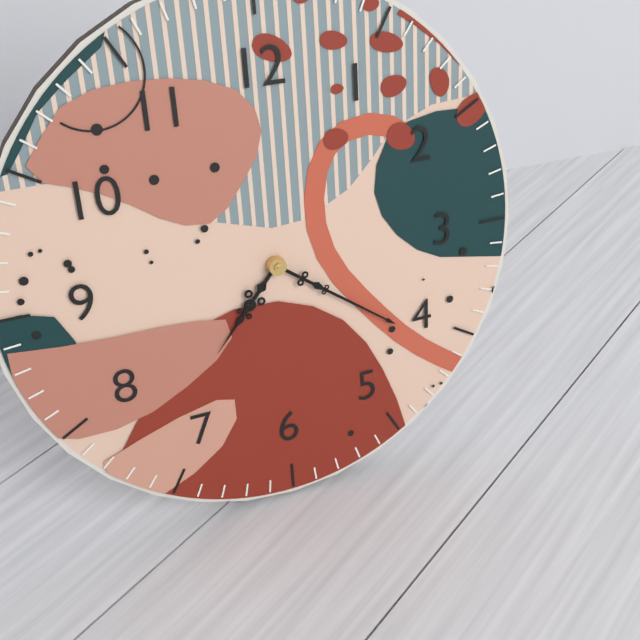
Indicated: 7 h 21 min
